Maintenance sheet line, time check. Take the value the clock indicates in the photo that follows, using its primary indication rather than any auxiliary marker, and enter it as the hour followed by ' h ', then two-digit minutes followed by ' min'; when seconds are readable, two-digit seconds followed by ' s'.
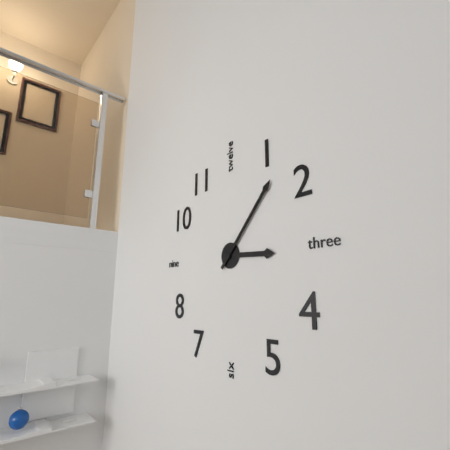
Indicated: 3 h 07 min
